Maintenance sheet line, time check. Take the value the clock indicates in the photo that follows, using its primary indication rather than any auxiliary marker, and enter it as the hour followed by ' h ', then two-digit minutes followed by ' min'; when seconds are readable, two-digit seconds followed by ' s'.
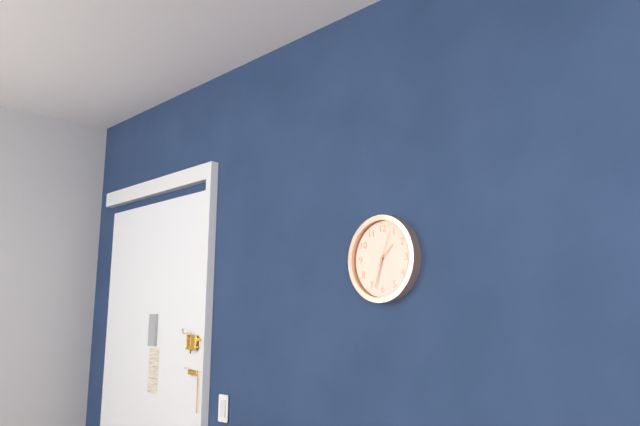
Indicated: 1 h 33 min
